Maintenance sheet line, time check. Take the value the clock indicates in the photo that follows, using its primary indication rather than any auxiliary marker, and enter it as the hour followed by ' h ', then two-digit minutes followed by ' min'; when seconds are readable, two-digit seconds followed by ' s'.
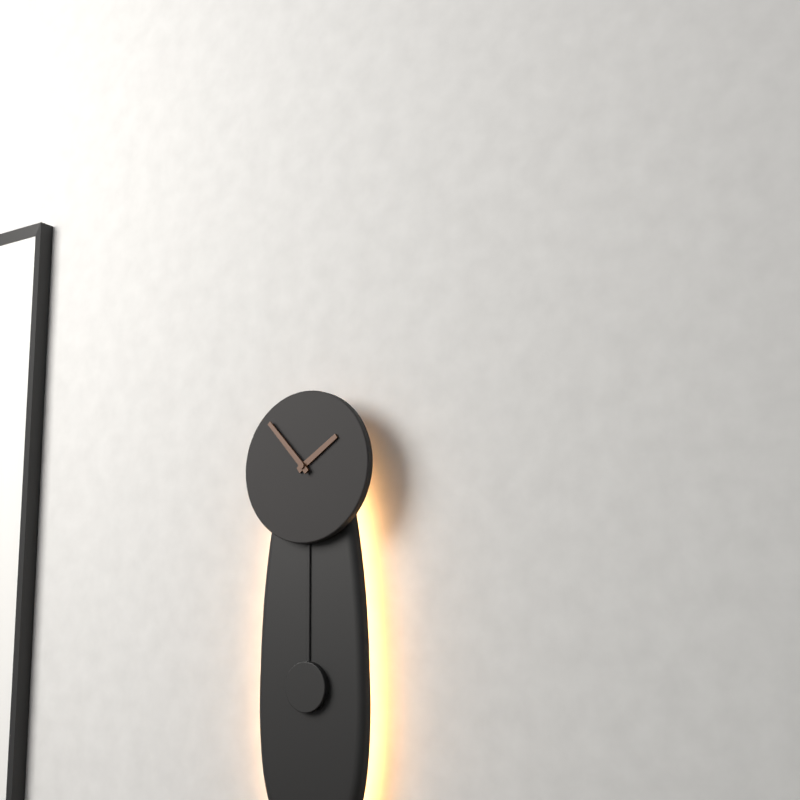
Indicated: 1 h 53 min
